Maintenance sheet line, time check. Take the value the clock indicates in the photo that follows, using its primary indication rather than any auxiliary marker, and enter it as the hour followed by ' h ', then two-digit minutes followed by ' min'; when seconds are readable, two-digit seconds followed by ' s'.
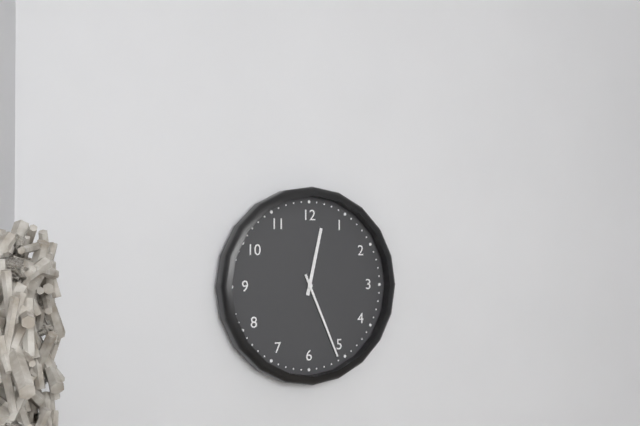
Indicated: 12 h 26 min
